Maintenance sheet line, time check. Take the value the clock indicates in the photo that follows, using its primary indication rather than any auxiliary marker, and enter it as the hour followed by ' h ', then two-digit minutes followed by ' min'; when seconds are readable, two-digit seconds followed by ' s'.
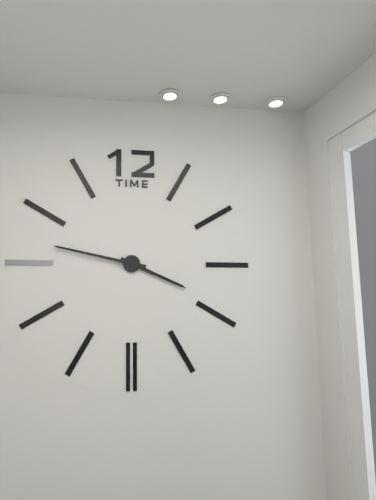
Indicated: 3 h 47 min
